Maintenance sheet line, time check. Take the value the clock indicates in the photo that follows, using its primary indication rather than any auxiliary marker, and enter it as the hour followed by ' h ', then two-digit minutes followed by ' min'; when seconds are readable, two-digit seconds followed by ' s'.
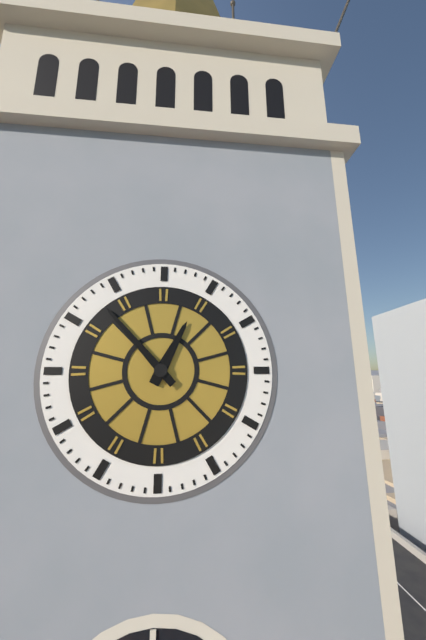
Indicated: 12 h 53 min
